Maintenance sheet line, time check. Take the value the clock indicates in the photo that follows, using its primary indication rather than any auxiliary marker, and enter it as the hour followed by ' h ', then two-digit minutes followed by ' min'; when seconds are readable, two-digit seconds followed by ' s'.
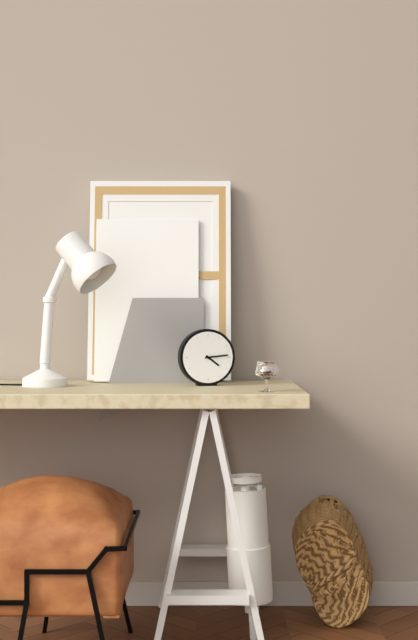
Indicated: 4 h 14 min
